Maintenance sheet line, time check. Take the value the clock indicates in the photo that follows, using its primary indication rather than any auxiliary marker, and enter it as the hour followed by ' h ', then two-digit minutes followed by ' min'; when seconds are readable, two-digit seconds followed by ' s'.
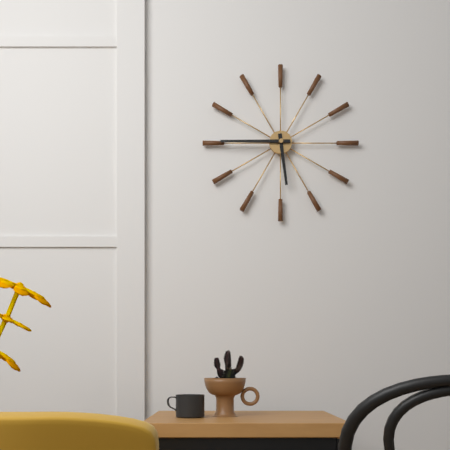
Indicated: 5 h 45 min
